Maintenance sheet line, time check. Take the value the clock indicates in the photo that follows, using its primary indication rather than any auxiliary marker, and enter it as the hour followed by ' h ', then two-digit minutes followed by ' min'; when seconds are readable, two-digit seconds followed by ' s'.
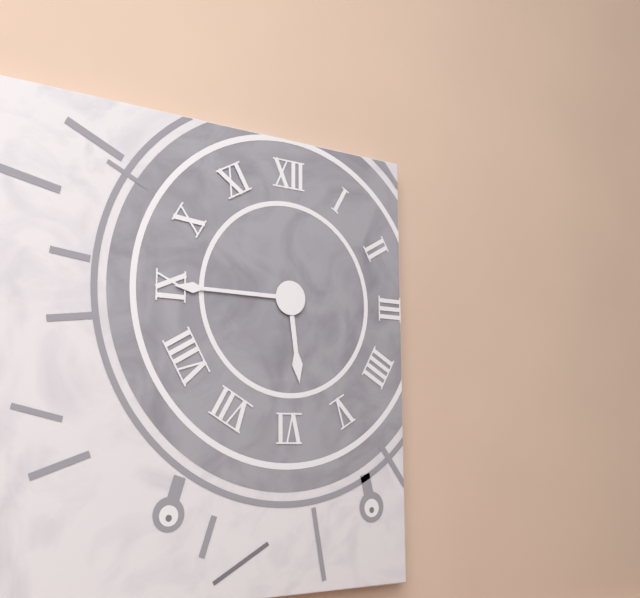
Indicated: 5 h 45 min
